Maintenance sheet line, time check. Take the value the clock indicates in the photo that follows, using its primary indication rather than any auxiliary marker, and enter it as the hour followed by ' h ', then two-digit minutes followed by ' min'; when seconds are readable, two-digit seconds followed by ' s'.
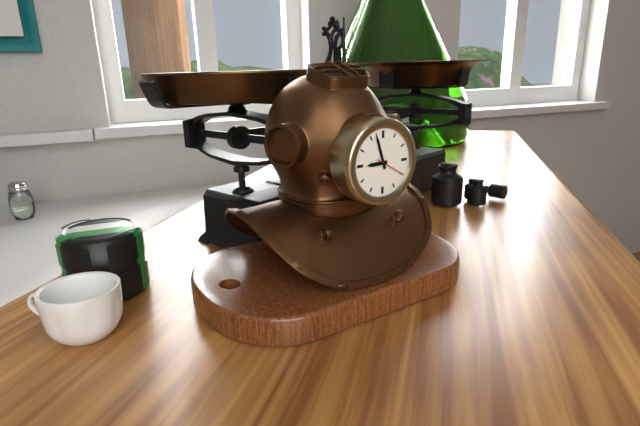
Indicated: 8 h 57 min
